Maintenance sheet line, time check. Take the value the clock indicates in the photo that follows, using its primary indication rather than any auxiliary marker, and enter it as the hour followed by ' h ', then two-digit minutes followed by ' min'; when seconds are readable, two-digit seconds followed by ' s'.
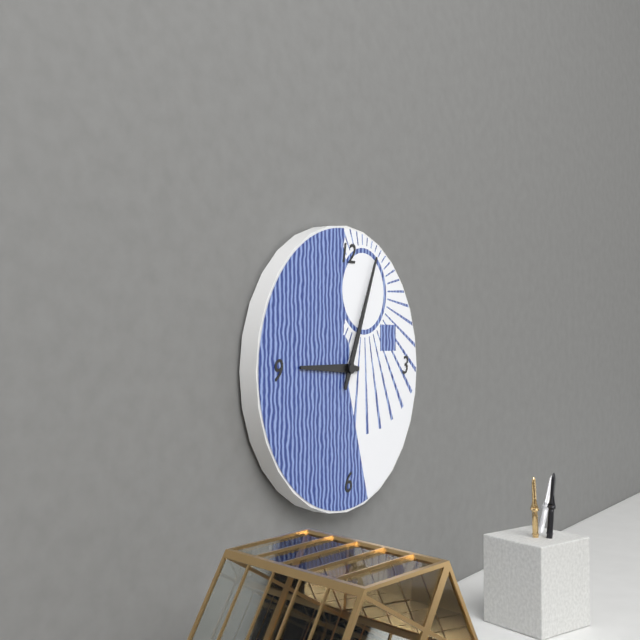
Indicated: 9 h 04 min
